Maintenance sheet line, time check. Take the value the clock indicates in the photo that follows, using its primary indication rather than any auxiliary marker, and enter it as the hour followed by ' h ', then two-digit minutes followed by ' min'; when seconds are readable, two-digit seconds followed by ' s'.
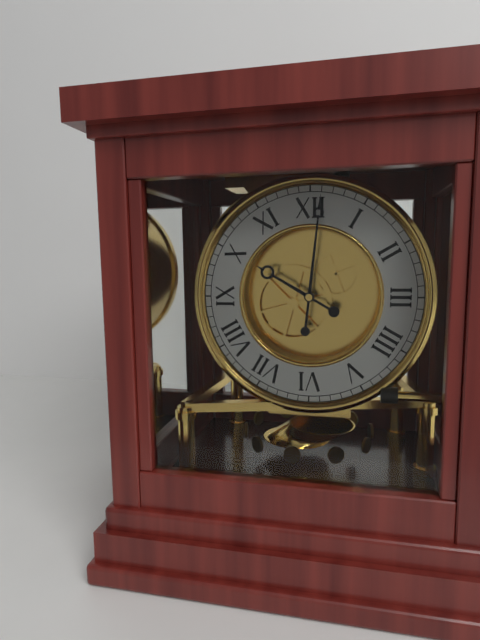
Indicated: 10 h 01 min
